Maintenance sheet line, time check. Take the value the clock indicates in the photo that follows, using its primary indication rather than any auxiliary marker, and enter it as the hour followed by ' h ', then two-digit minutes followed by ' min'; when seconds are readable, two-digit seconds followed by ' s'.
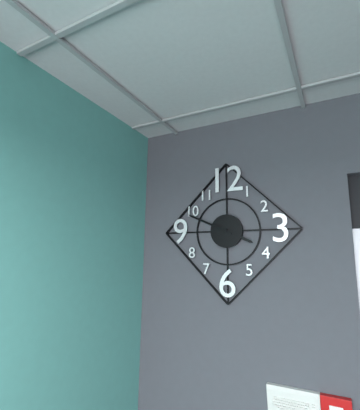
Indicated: 3 h 49 min
